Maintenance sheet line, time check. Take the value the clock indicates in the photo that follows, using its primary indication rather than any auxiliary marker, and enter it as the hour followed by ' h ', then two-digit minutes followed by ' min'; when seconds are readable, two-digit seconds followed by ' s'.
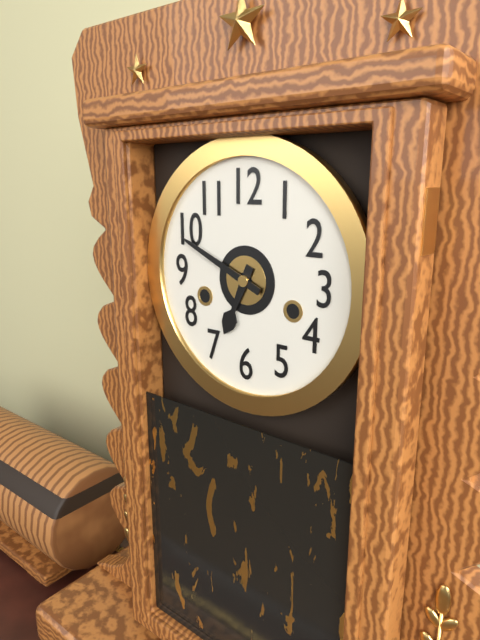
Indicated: 6 h 49 min
